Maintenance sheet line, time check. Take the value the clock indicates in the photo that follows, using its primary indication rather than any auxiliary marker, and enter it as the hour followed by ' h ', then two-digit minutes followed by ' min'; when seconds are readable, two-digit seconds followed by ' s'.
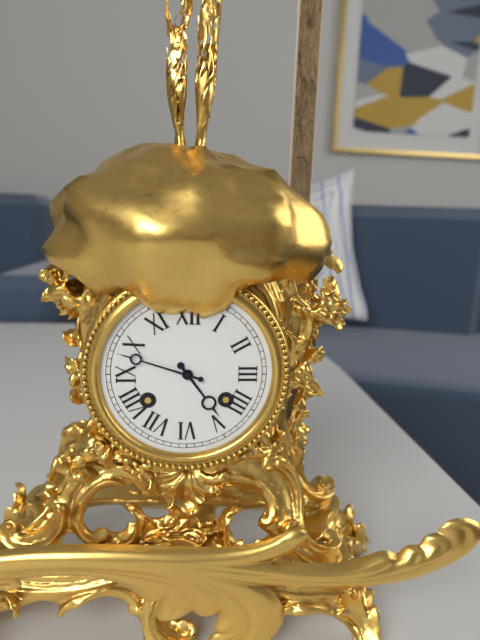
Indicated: 4 h 48 min
